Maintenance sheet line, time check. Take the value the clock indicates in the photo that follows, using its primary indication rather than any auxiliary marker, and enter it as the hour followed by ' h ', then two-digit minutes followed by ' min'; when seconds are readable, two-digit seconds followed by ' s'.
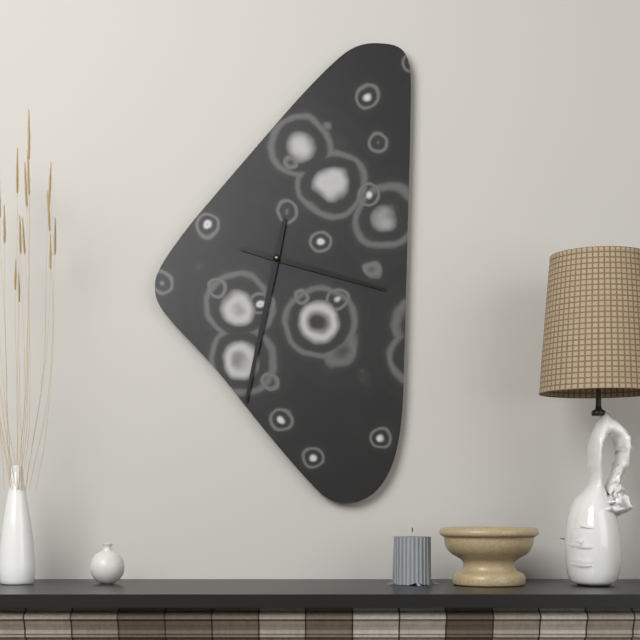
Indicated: 3 h 32 min
